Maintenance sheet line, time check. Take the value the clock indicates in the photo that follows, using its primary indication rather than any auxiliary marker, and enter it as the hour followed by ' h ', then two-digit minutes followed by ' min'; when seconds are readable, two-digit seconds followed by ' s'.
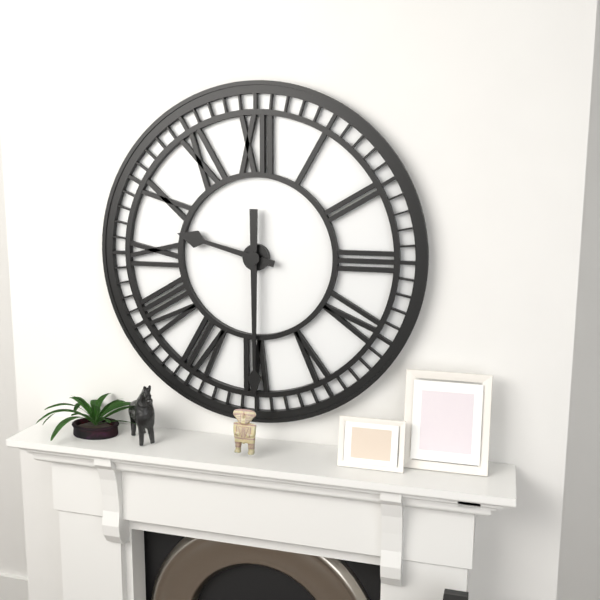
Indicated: 9 h 30 min
